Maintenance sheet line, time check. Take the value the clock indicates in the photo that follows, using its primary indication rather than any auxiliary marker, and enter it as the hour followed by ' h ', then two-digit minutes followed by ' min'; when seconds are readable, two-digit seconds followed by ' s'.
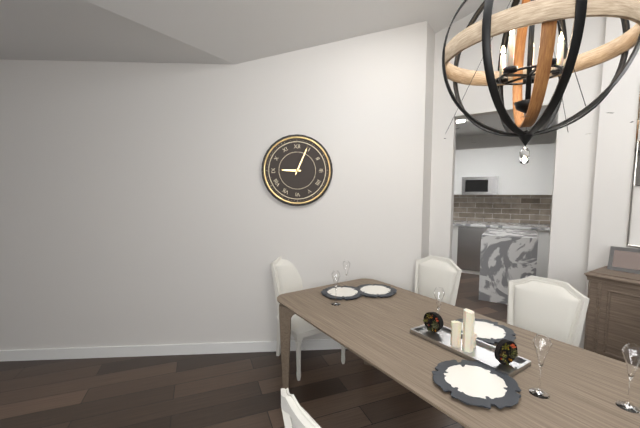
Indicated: 9 h 04 min
